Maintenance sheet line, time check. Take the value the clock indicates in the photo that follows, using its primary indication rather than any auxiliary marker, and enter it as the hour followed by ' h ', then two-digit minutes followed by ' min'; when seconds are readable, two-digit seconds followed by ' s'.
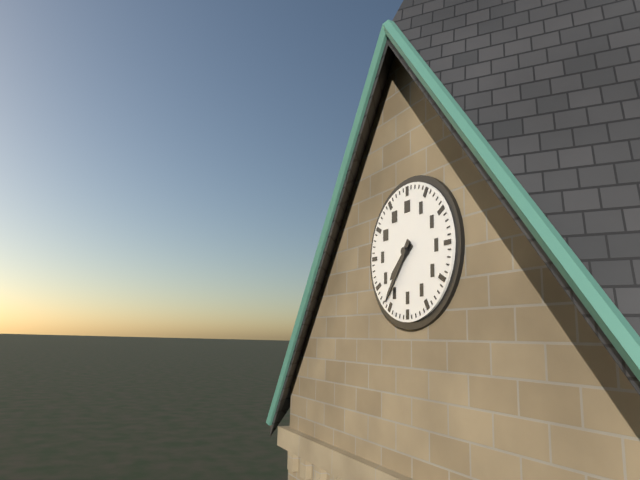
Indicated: 7 h 36 min
